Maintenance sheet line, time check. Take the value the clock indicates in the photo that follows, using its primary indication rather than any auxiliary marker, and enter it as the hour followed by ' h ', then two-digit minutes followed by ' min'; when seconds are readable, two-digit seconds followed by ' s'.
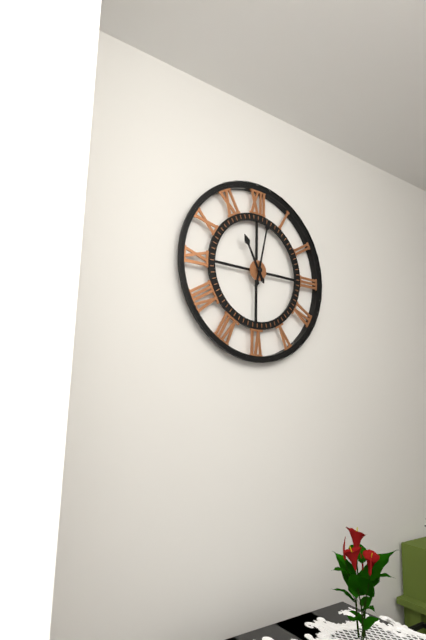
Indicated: 11 h 02 min
